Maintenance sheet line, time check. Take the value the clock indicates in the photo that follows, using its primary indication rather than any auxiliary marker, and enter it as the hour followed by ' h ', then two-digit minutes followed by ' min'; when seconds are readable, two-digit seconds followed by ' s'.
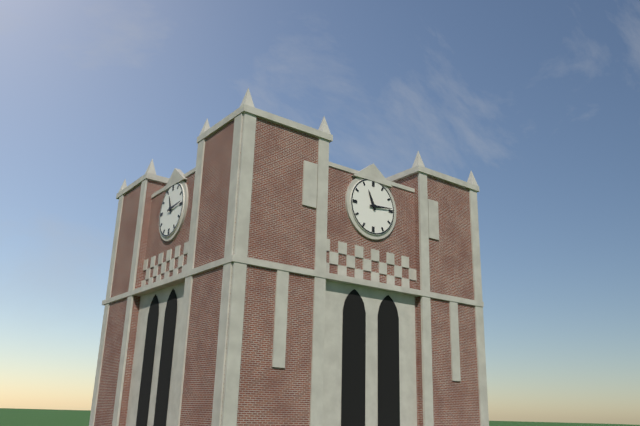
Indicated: 11 h 14 min
